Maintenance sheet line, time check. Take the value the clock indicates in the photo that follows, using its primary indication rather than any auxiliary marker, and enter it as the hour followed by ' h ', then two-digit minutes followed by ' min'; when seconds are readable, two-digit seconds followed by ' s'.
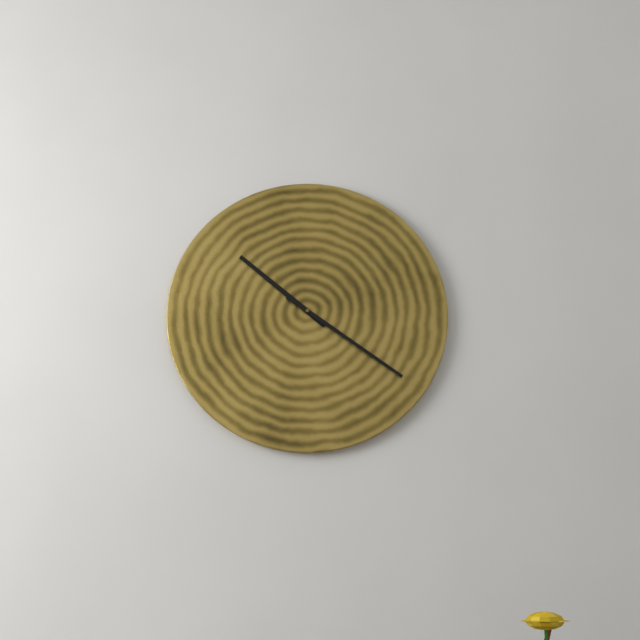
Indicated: 10 h 21 min
